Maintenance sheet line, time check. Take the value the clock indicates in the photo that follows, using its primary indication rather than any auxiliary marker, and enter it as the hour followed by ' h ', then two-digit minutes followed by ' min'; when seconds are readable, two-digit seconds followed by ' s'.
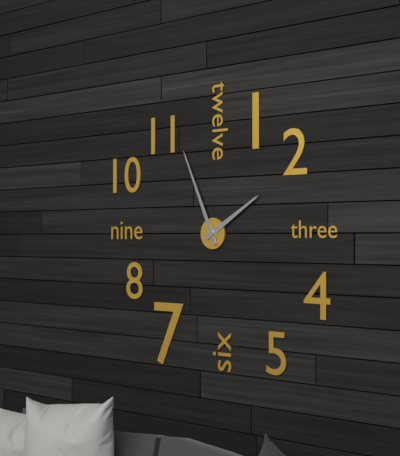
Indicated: 1 h 56 min
